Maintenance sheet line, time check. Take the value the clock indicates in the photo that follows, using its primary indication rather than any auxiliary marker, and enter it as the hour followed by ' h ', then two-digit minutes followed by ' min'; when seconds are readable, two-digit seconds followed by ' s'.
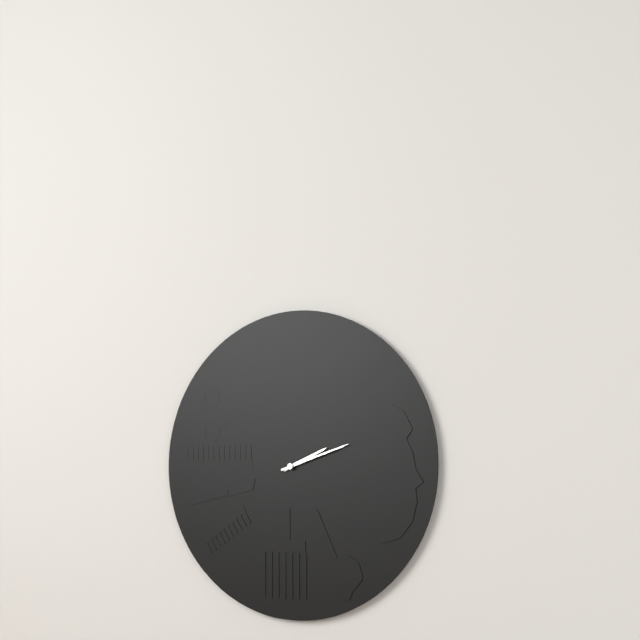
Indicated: 2 h 12 min
